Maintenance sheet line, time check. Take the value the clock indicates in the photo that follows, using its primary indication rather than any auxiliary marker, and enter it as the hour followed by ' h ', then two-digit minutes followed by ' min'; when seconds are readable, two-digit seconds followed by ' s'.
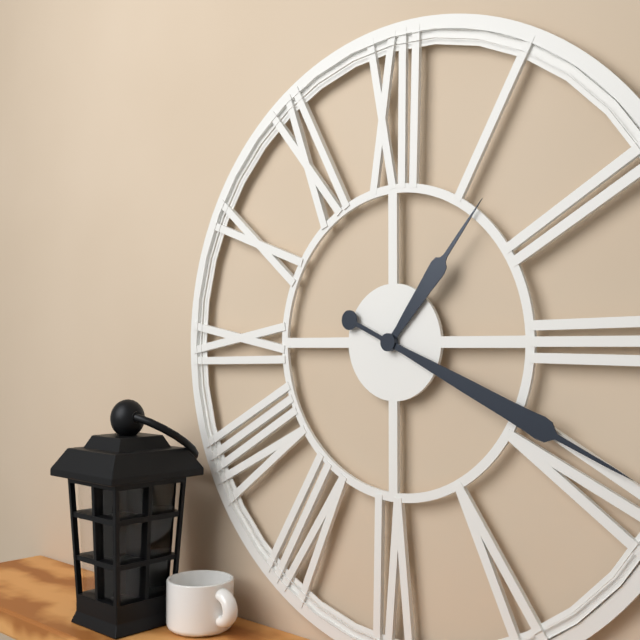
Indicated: 1 h 19 min
